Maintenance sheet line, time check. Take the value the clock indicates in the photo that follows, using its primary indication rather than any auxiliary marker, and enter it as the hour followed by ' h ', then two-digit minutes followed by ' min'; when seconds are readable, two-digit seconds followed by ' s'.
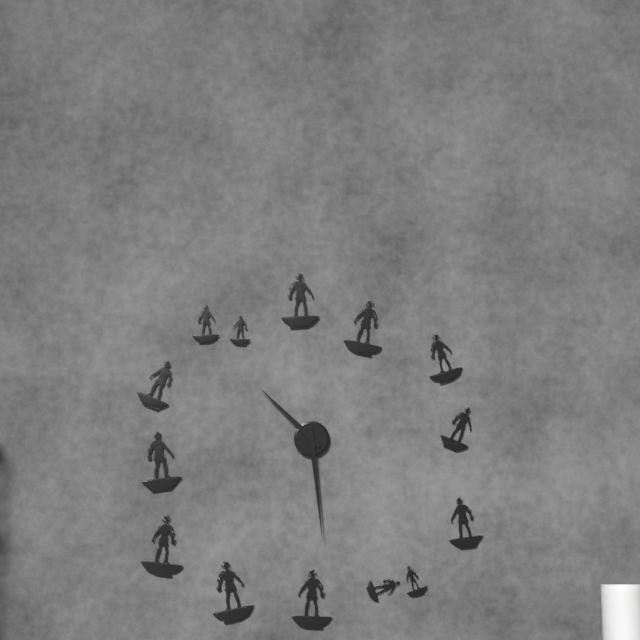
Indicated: 10 h 29 min
